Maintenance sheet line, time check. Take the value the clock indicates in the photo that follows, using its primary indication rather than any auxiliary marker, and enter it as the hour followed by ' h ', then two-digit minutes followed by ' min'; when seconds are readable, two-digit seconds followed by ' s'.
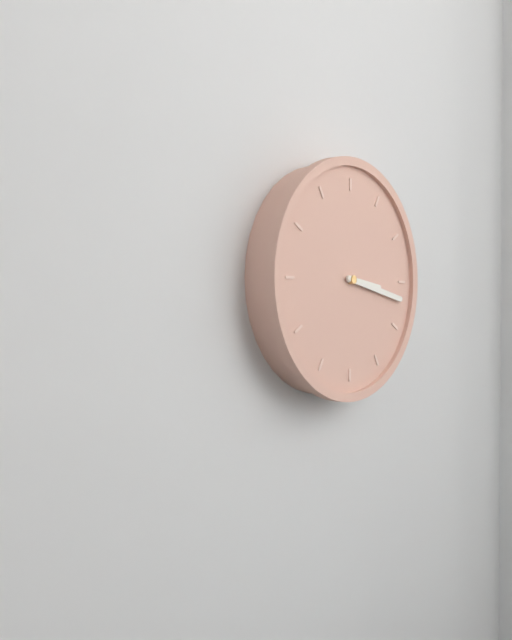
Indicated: 3 h 17 min
